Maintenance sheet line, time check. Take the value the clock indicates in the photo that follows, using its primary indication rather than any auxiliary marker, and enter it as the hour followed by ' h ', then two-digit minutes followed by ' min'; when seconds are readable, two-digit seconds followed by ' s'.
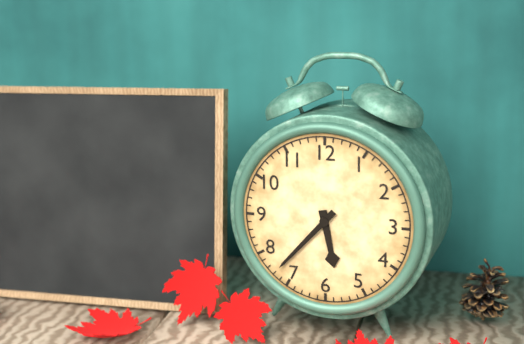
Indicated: 5 h 37 min
